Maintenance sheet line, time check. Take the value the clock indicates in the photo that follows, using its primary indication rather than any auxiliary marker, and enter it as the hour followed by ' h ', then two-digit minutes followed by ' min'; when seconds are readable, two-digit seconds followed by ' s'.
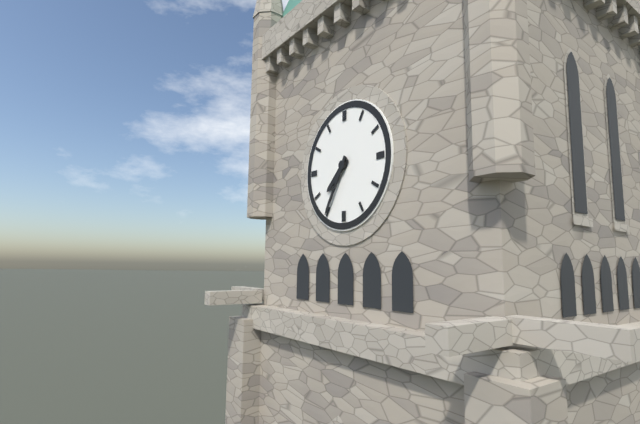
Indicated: 7 h 35 min
